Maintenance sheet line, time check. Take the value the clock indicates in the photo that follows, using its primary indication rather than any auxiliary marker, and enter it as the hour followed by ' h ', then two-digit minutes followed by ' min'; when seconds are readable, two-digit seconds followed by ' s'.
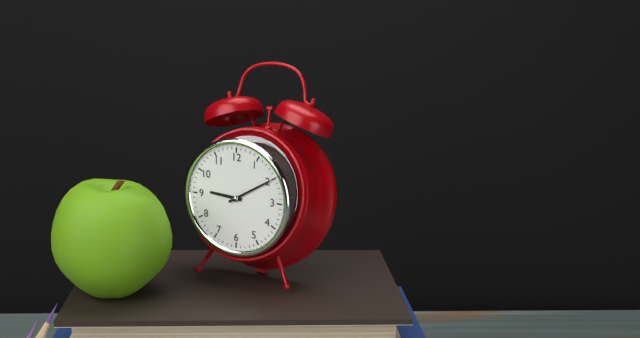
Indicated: 9 h 10 min
